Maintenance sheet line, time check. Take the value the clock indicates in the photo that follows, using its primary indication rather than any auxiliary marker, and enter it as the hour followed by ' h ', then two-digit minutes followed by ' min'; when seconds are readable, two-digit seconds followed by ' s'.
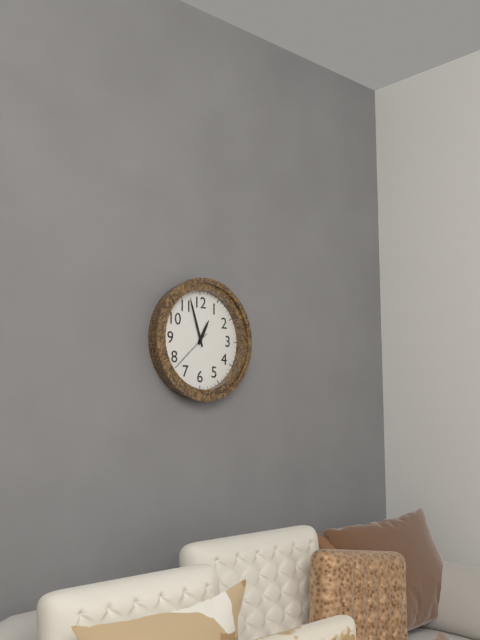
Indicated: 12 h 57 min
